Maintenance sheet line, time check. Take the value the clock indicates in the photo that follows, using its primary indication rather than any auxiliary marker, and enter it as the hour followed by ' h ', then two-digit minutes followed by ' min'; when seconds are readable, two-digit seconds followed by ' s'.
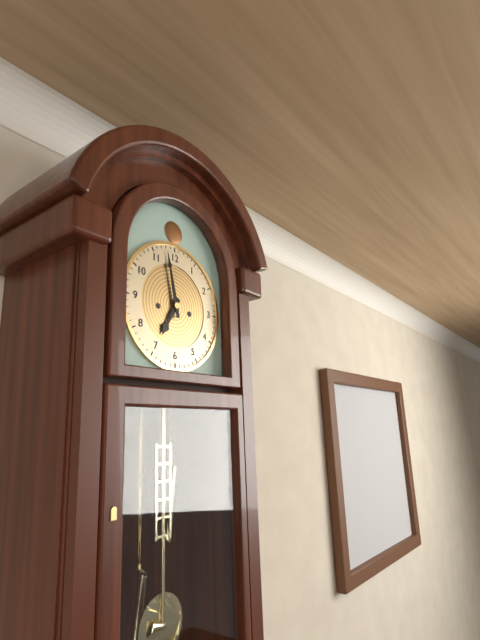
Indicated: 6 h 58 min
